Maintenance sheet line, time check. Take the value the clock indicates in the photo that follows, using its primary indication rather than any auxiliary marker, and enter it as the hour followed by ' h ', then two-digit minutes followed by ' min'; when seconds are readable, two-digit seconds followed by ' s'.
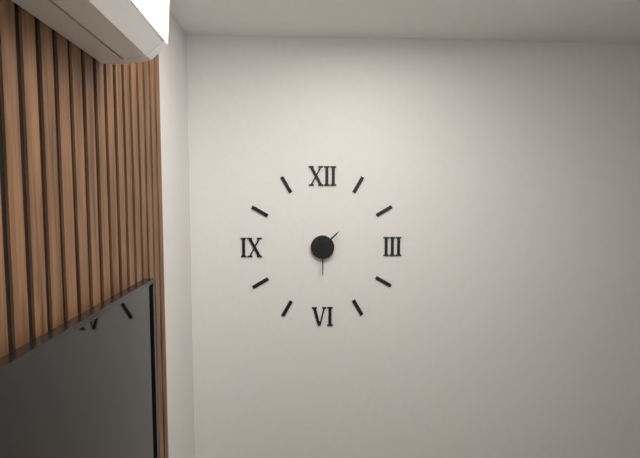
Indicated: 1 h 30 min
